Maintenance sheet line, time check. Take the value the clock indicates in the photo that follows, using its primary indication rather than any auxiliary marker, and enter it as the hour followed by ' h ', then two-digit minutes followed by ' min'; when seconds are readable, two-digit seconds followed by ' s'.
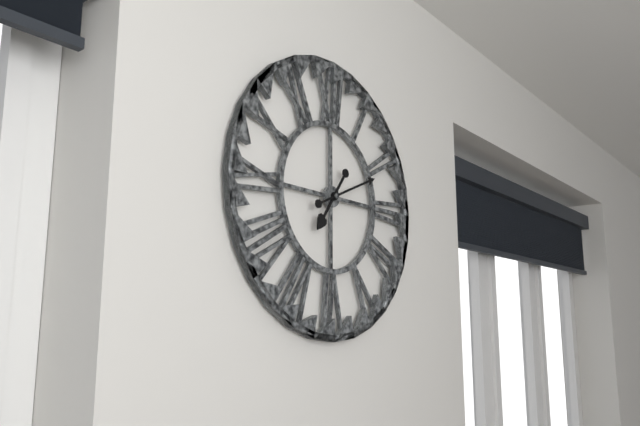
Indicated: 7 h 11 min
